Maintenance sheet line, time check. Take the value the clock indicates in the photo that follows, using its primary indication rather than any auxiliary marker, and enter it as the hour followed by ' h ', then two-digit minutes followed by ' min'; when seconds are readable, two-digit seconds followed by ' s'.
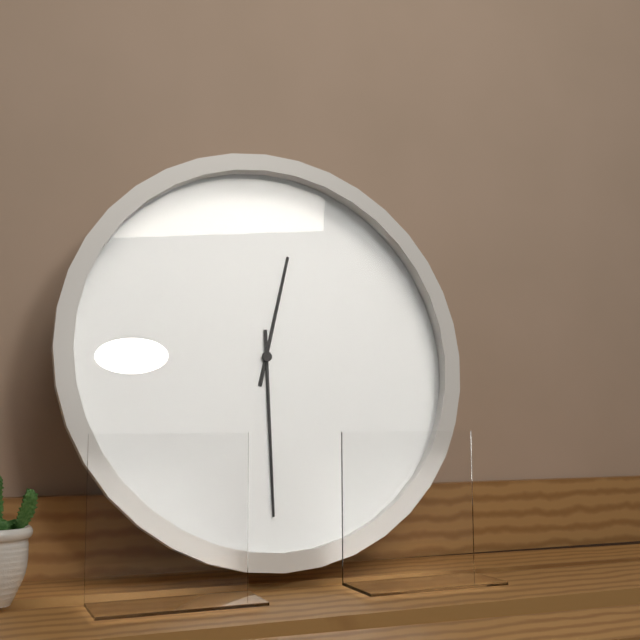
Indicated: 12 h 30 min
